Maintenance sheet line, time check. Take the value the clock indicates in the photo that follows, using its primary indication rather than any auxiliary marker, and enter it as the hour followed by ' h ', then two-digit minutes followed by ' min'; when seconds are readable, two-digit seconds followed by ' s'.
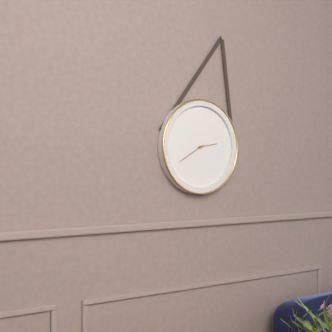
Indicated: 2 h 40 min
